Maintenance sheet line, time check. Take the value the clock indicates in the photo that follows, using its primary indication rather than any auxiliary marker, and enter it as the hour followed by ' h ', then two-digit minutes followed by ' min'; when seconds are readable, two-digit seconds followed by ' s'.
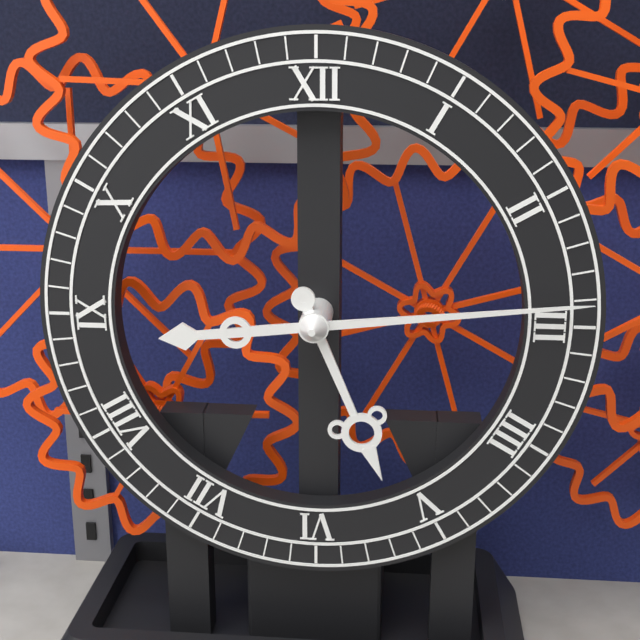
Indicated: 5 h 14 min
